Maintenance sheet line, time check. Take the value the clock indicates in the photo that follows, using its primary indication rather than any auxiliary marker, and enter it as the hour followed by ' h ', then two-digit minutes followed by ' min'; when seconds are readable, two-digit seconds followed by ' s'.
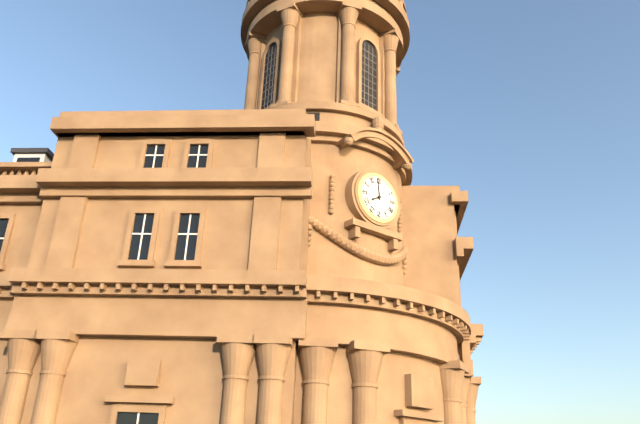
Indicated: 7 h 59 min
